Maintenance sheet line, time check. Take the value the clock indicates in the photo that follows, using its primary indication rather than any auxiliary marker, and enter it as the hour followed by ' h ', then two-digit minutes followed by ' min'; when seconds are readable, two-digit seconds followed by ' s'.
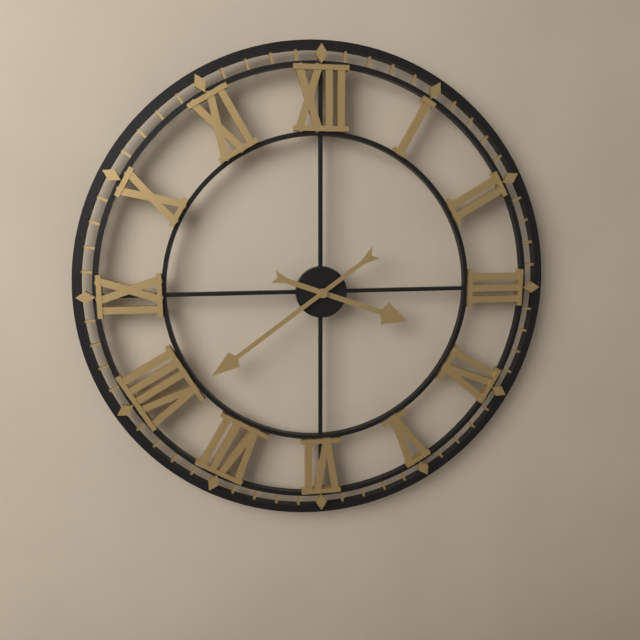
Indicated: 3 h 39 min
